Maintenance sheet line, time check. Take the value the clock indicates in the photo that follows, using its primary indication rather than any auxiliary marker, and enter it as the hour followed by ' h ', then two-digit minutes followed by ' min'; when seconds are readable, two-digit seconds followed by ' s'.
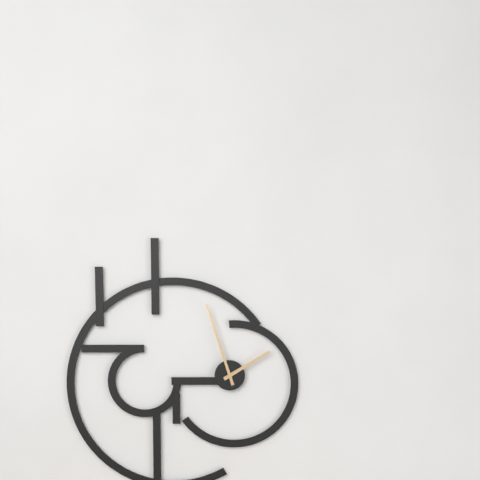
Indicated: 1 h 57 min
